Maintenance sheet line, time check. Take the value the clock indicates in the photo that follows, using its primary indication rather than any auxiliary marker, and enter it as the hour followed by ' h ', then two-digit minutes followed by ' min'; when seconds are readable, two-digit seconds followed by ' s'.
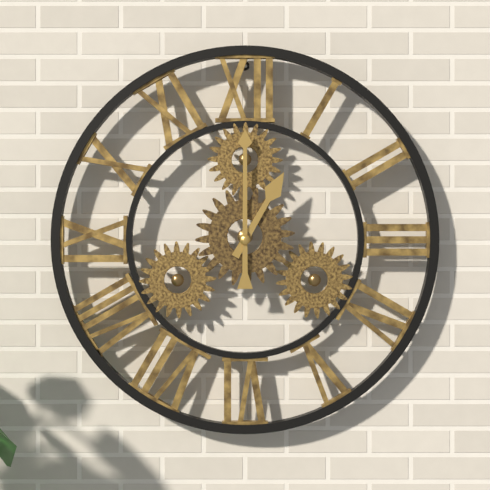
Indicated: 1 h 00 min
